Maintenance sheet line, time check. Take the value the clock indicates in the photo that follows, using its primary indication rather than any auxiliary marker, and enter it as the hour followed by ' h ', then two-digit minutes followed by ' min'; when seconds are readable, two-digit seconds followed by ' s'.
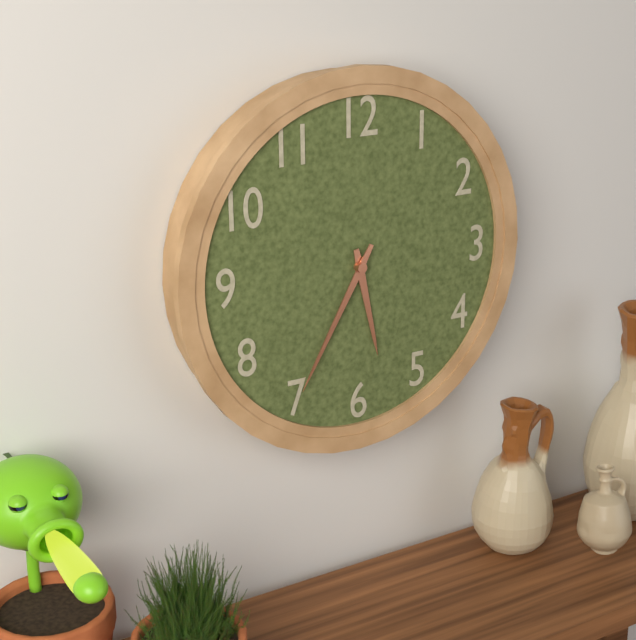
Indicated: 5 h 35 min
